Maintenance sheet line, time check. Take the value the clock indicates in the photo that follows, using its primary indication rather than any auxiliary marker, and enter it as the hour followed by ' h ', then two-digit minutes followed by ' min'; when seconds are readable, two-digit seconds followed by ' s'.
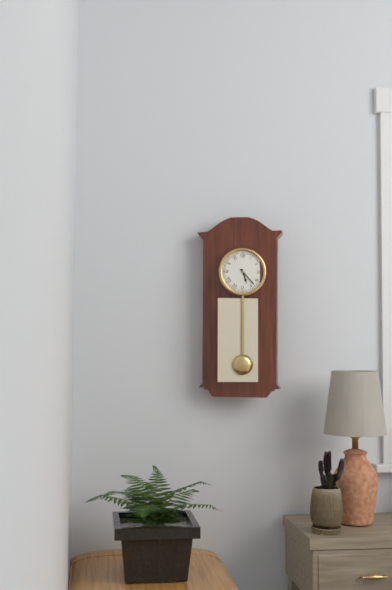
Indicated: 5 h 23 min
